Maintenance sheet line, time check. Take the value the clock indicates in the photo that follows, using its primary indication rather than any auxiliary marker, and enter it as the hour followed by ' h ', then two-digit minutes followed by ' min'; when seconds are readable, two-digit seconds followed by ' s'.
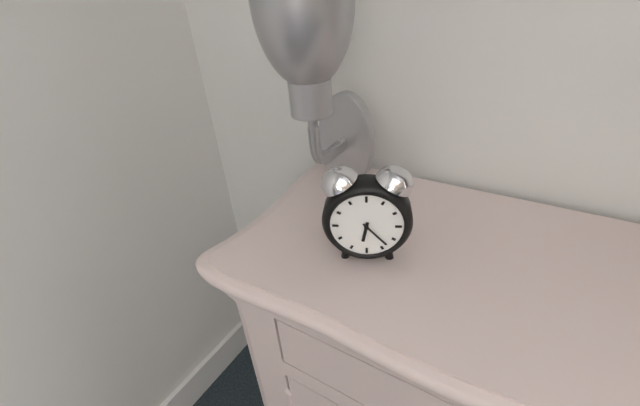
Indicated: 6 h 23 min
